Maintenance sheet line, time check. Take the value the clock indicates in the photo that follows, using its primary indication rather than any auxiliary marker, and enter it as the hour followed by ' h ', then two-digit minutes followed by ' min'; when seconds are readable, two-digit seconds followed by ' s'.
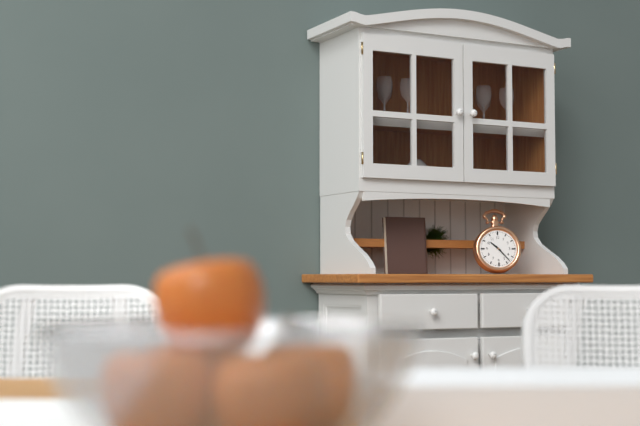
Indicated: 10 h 23 min
